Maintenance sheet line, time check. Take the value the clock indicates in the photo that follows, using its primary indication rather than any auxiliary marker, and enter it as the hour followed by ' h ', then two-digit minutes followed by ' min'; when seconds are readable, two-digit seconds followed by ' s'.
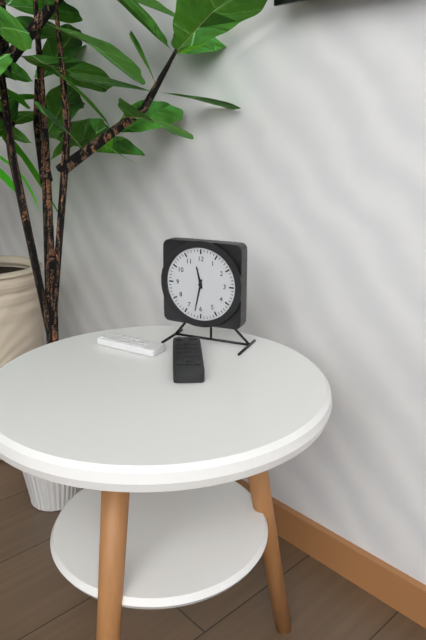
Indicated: 11 h 32 min
